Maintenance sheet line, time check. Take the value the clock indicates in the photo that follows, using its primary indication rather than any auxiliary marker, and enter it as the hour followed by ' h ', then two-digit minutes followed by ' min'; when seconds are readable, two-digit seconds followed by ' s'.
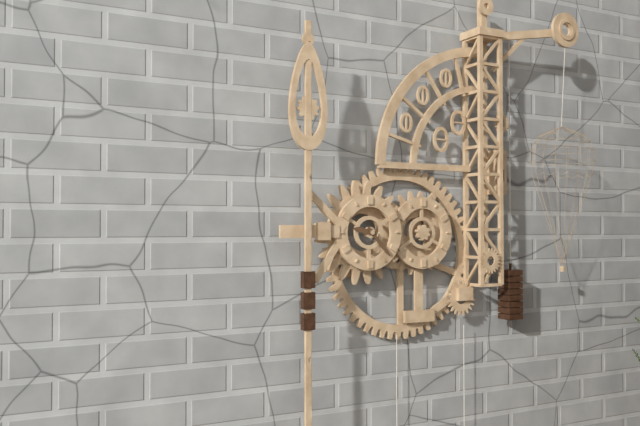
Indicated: 9 h 23 min
